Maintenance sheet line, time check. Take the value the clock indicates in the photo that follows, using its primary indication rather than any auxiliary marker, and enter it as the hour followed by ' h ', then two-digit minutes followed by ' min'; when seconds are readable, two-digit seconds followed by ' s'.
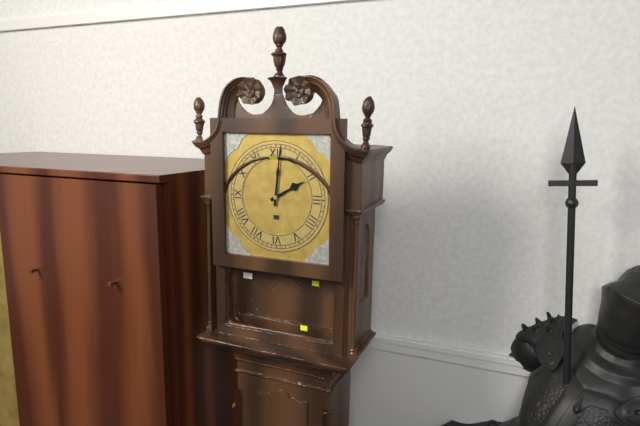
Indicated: 2 h 01 min
